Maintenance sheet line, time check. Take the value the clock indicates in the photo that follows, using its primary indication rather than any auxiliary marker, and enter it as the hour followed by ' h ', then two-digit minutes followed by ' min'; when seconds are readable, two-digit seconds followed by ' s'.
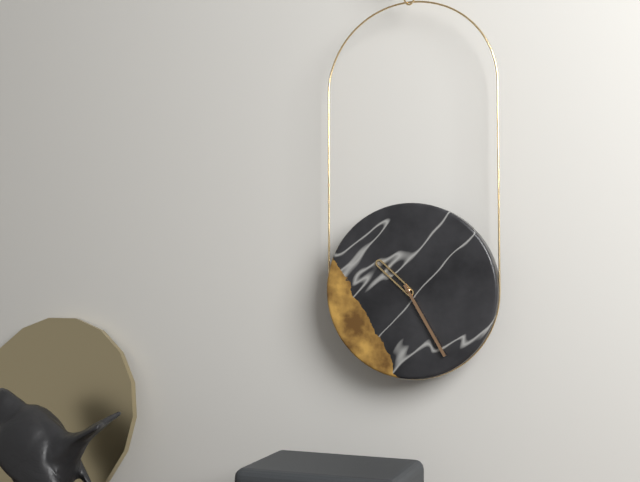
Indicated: 10 h 25 min
